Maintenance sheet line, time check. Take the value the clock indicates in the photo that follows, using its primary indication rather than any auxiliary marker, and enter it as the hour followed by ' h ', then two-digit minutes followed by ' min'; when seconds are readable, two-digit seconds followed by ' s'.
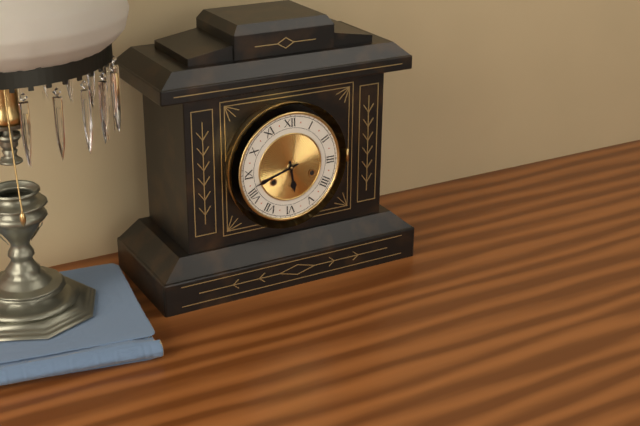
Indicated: 5 h 42 min
